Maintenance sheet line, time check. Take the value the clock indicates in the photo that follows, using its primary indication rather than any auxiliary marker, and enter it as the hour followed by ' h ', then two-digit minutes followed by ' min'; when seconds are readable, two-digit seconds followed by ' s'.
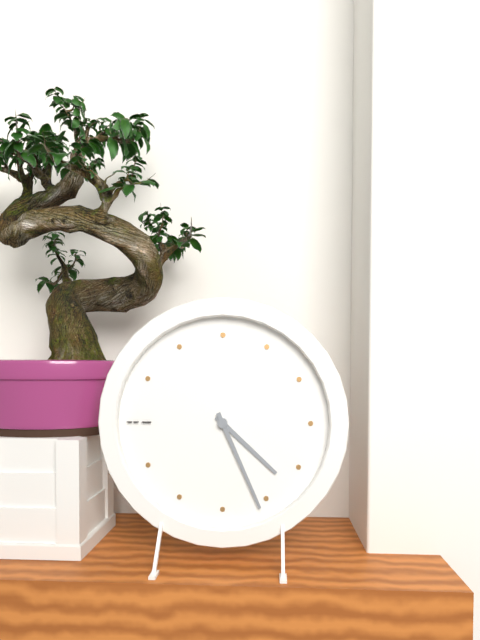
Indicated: 4 h 26 min
